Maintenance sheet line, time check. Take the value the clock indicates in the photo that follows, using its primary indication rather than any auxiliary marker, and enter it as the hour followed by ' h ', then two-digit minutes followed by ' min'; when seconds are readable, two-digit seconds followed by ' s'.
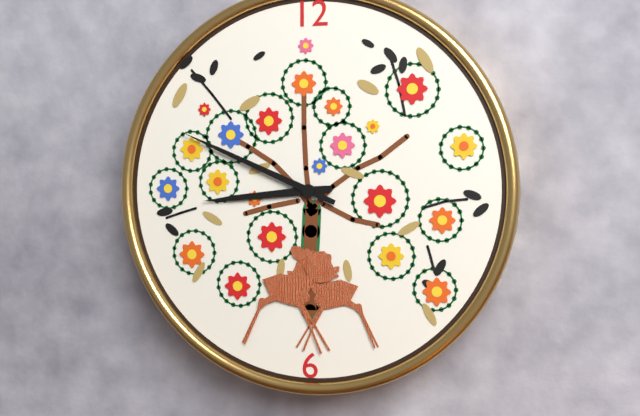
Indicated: 8 h 49 min
